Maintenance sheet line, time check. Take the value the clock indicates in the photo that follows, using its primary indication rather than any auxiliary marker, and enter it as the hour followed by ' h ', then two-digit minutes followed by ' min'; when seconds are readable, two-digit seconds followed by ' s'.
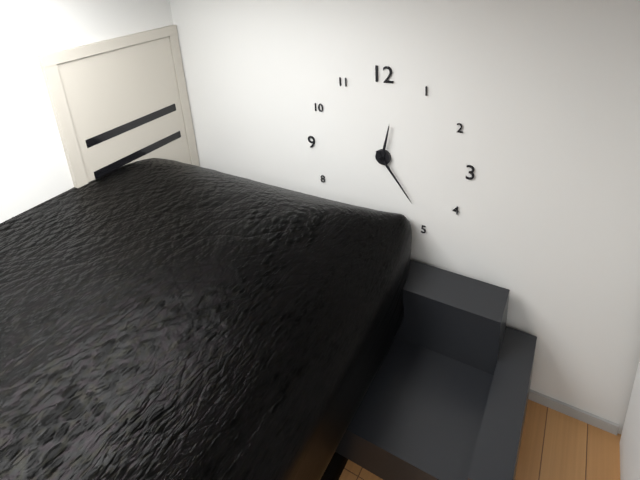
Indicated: 12 h 24 min
